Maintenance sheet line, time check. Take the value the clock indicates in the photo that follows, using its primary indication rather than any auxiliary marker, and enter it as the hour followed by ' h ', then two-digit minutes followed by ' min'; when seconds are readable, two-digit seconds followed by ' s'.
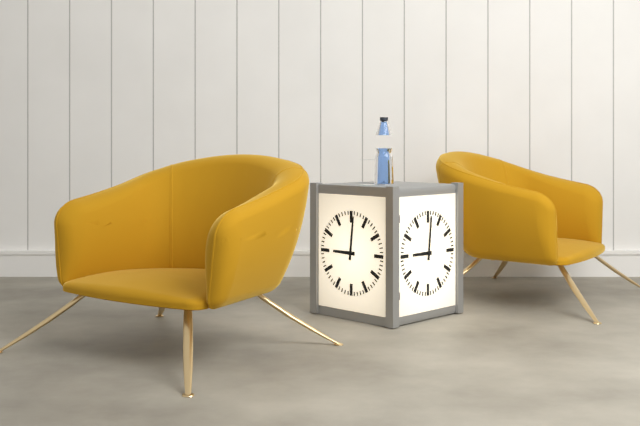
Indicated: 9 h 01 min
